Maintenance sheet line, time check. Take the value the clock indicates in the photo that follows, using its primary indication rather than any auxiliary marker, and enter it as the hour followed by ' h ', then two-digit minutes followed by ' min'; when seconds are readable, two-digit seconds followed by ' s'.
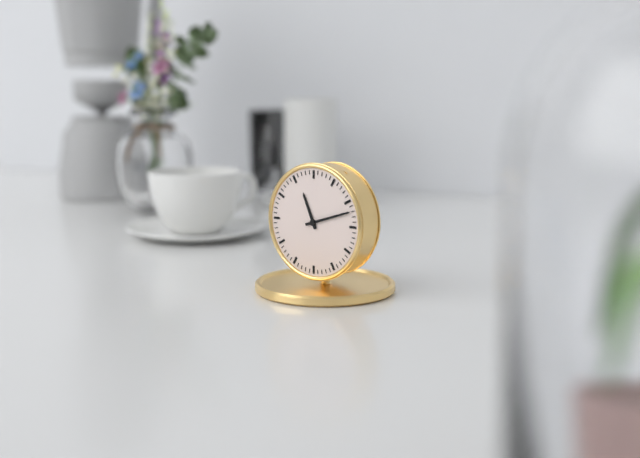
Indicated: 11 h 12 min
